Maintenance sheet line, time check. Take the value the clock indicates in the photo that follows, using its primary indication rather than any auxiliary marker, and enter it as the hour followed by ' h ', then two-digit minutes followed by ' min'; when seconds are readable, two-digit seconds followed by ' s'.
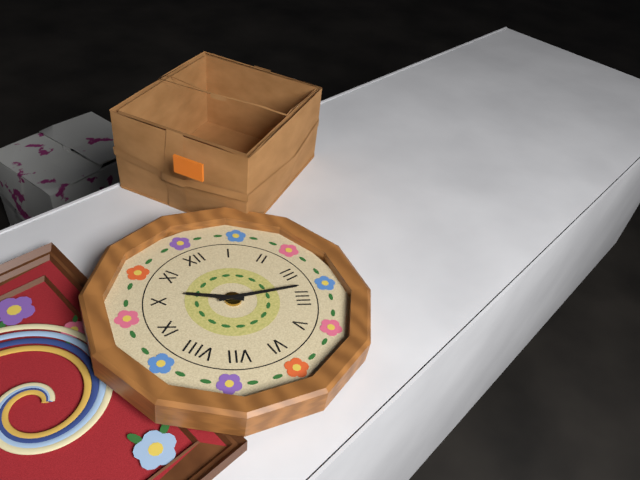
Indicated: 10 h 18 min
